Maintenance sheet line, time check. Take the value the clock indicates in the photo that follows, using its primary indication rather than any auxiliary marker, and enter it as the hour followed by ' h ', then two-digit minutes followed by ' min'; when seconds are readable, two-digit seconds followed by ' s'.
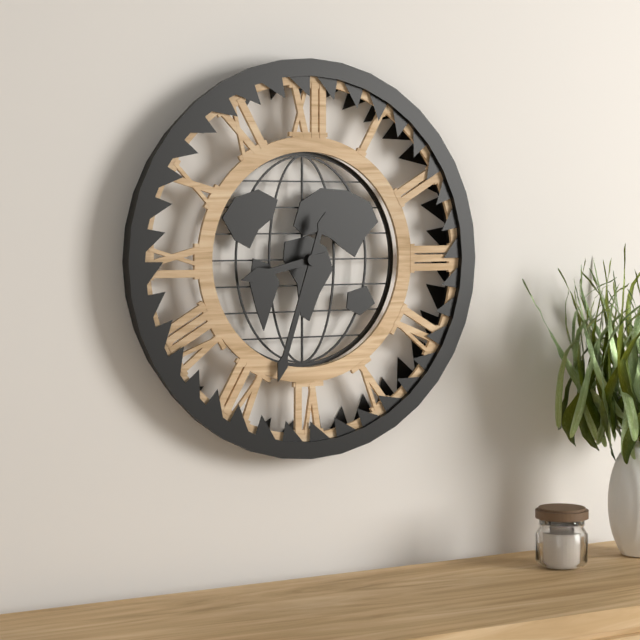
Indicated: 8 h 33 min
